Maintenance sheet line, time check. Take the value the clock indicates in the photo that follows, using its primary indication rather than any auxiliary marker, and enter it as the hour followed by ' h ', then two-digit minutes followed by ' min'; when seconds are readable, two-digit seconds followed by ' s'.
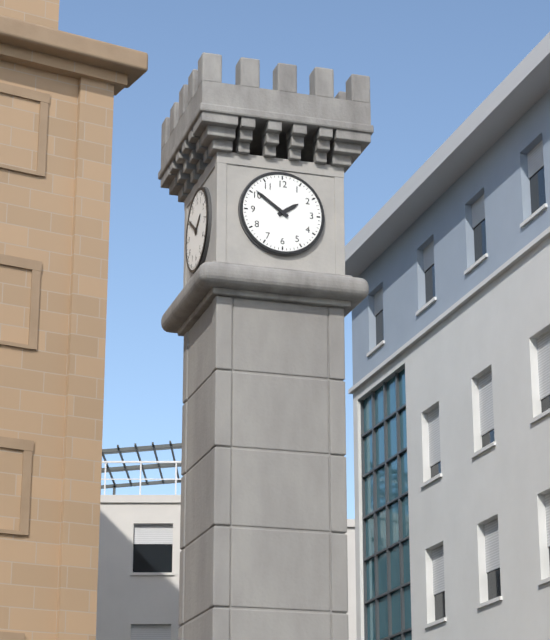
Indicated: 1 h 51 min
